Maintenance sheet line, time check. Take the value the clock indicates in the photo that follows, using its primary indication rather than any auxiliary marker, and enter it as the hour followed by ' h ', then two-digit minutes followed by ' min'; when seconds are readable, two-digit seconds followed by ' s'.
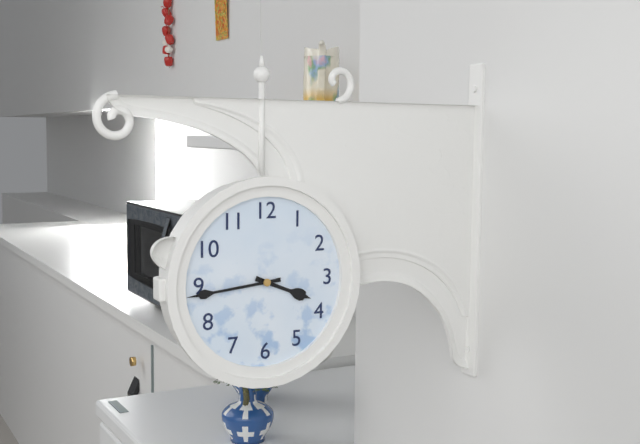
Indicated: 3 h 44 min
